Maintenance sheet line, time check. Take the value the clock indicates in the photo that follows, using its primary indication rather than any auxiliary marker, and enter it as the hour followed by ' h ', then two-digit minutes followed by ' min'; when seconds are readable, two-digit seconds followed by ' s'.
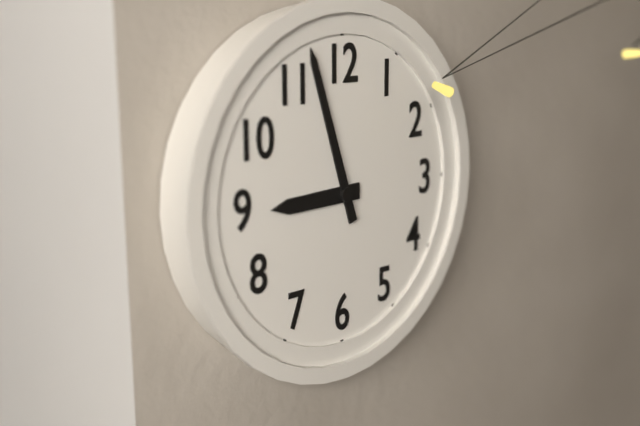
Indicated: 8 h 57 min
